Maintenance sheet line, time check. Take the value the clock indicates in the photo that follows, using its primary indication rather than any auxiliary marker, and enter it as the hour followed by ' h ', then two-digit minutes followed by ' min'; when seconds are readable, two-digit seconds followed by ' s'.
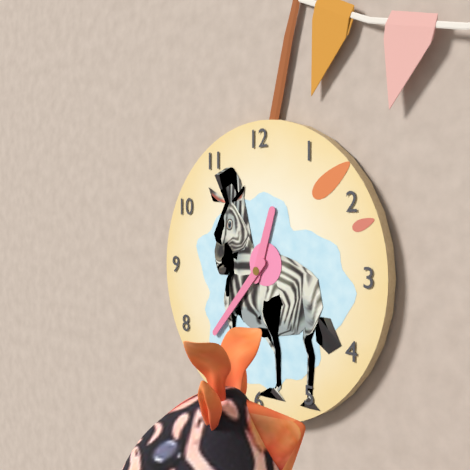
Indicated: 12 h 37 min
